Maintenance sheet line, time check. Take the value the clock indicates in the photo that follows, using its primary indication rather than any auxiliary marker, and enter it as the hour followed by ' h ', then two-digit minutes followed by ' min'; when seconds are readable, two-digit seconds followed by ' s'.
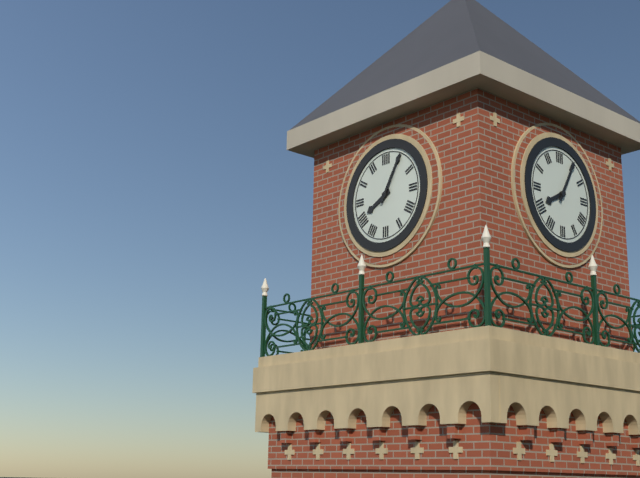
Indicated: 8 h 05 min
